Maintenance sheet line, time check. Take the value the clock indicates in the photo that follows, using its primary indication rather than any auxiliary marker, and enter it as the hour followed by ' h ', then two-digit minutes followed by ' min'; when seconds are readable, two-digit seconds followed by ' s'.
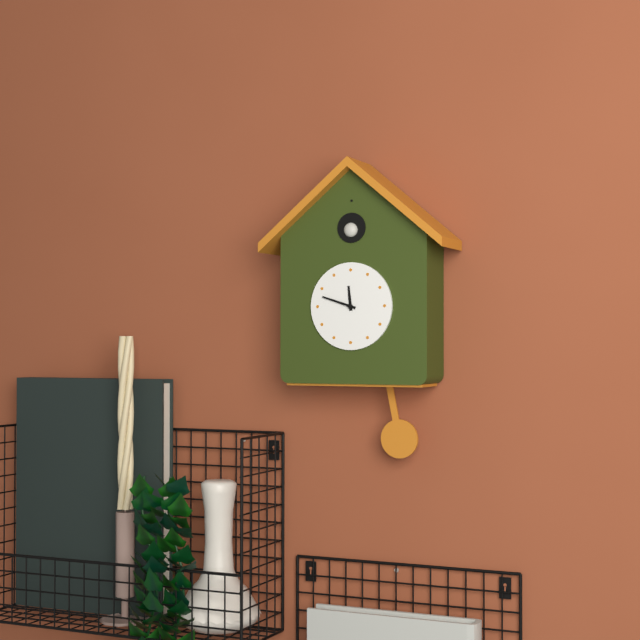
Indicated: 11 h 48 min
